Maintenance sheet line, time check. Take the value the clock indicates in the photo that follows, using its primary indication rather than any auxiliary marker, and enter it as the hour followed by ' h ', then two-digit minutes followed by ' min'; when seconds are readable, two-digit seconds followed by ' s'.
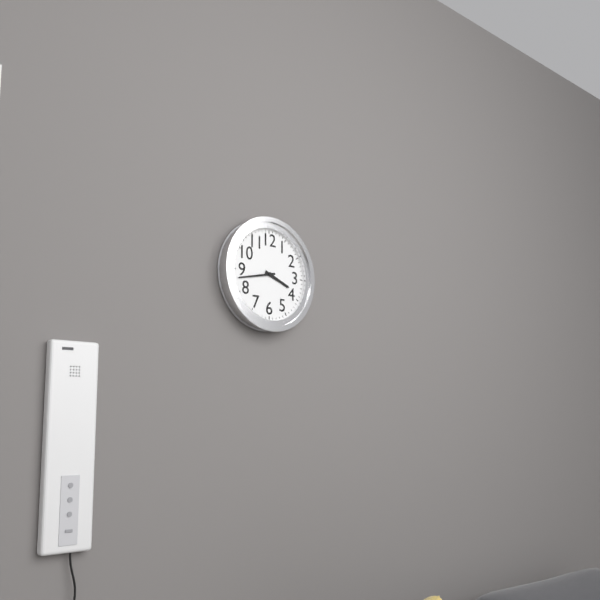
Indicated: 3 h 43 min
